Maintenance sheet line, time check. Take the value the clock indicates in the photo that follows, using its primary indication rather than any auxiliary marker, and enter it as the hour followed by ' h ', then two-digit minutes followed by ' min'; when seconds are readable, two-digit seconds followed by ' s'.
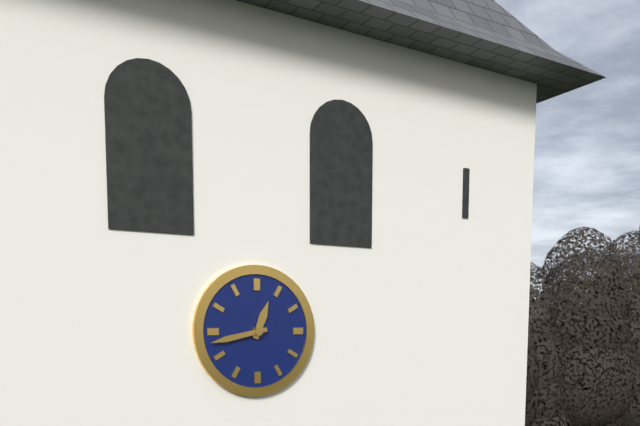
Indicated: 12 h 43 min
